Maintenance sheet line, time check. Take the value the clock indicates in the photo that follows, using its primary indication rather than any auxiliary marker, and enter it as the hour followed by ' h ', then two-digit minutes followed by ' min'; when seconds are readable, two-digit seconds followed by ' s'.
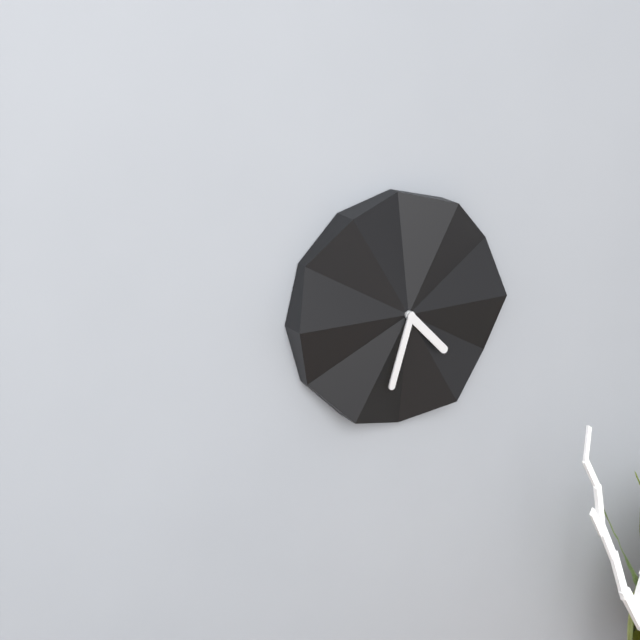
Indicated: 4 h 33 min
